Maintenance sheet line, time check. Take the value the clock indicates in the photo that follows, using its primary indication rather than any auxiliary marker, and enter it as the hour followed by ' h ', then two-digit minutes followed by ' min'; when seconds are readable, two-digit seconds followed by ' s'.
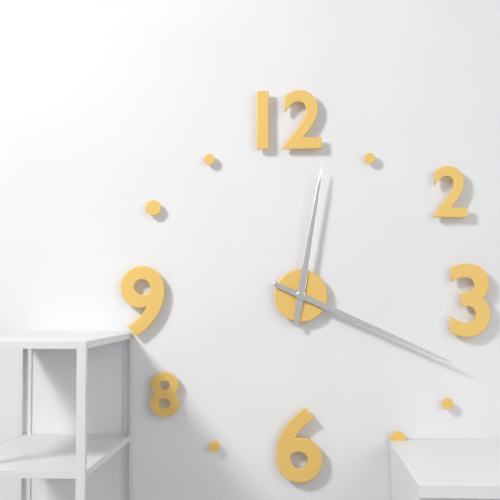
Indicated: 12 h 19 min
